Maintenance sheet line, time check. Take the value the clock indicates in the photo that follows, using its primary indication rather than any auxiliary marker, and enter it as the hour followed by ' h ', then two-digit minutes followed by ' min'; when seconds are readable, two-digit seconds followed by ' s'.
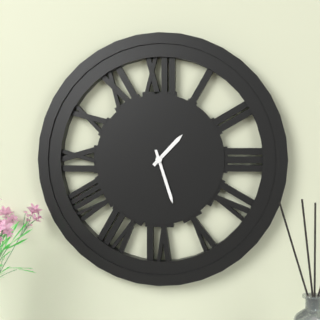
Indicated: 1 h 27 min
